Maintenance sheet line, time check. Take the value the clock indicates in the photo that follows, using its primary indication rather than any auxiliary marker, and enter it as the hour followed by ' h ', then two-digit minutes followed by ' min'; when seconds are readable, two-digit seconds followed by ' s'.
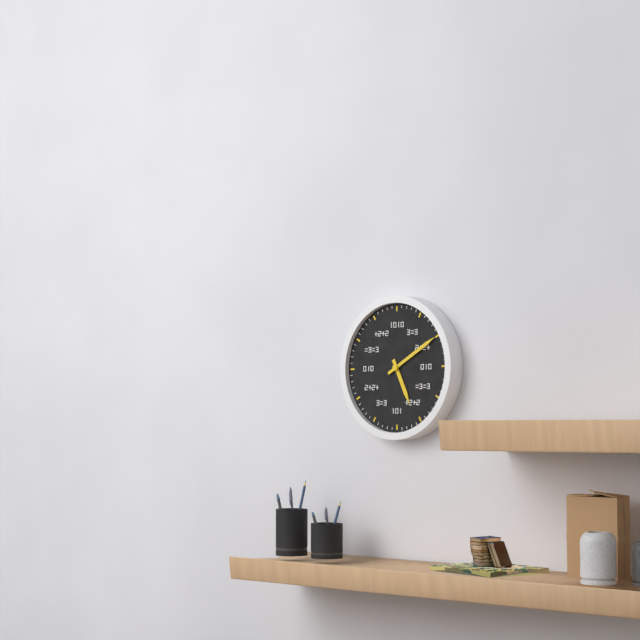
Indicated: 5 h 10 min
